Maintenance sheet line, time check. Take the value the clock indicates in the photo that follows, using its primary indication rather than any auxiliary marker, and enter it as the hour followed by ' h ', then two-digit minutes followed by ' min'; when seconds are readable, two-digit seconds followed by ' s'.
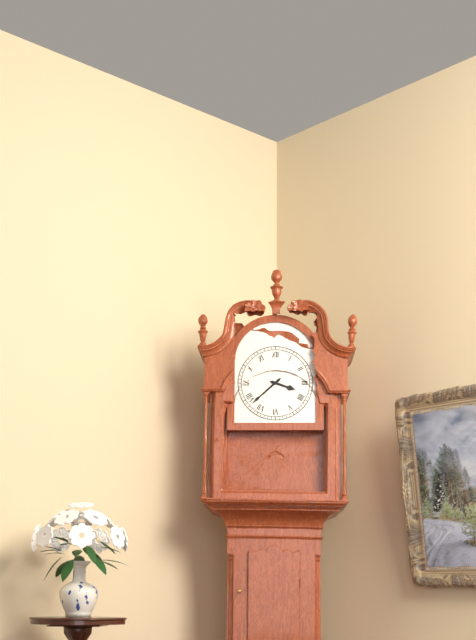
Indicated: 3 h 38 min
